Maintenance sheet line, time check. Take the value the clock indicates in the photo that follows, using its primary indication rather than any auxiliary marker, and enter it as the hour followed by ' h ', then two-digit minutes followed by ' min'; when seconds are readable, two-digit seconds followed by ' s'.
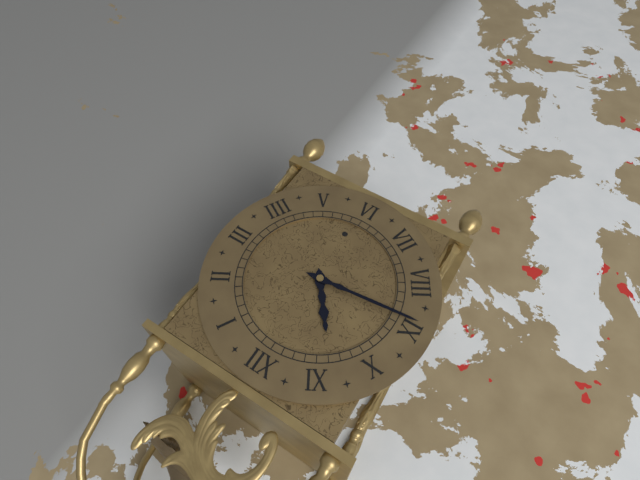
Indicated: 10 h 44 min
